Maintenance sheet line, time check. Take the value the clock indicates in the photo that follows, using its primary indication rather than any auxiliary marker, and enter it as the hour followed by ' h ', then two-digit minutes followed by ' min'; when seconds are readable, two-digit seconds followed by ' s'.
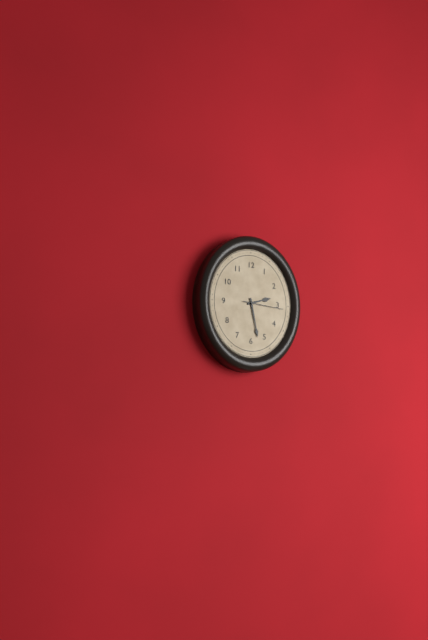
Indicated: 2 h 28 min
